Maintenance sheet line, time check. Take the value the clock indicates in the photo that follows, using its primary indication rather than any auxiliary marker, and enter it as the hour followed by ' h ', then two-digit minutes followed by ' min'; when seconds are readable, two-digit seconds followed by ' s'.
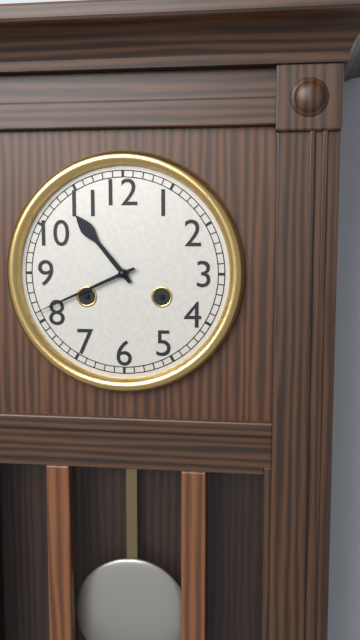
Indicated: 10 h 41 min
